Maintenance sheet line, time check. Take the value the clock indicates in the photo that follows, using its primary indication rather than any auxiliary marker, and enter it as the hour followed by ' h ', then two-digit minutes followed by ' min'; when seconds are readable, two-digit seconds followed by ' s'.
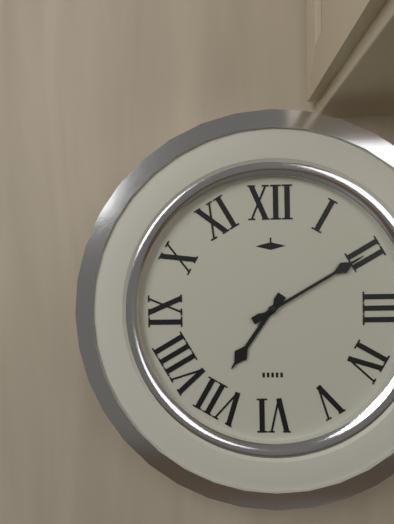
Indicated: 7 h 10 min
